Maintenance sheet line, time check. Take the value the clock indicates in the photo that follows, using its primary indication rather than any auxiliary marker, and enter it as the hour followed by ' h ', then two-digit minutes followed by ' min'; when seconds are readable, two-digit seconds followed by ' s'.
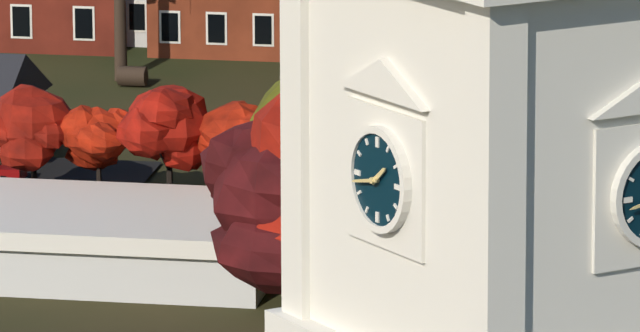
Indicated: 1 h 43 min
